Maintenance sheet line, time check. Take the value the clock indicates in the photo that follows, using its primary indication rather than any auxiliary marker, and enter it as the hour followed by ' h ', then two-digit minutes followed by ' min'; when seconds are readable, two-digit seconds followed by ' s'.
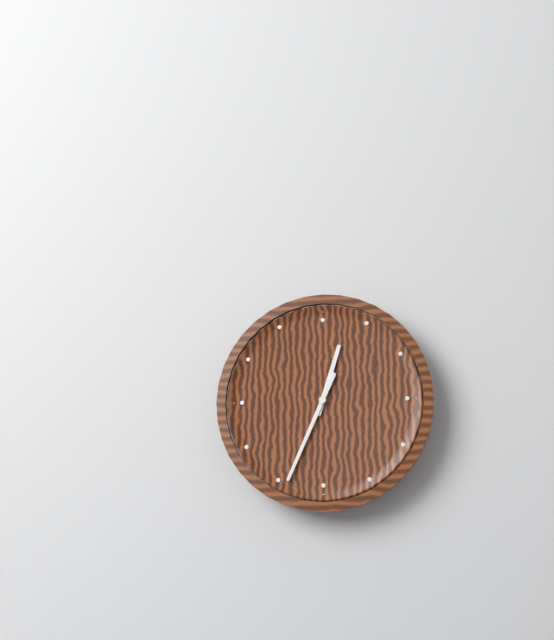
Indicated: 12 h 34 min
